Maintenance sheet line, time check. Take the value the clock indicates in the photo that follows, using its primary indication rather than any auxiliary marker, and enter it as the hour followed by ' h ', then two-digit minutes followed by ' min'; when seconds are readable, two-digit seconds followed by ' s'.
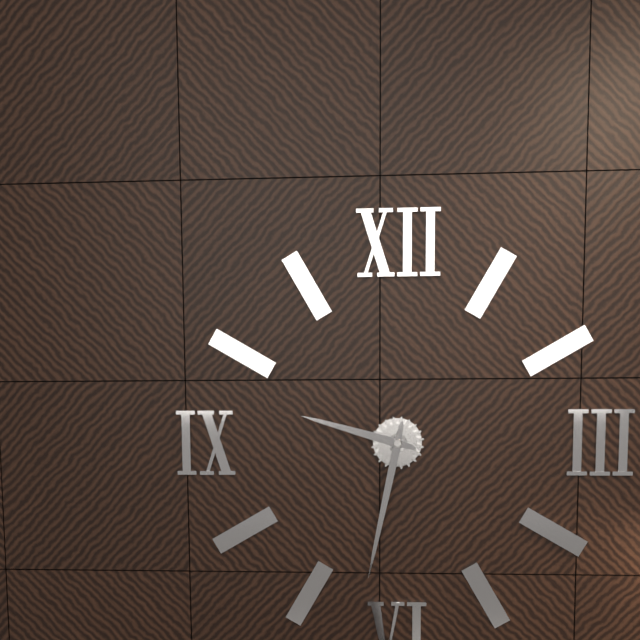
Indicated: 9 h 32 min
